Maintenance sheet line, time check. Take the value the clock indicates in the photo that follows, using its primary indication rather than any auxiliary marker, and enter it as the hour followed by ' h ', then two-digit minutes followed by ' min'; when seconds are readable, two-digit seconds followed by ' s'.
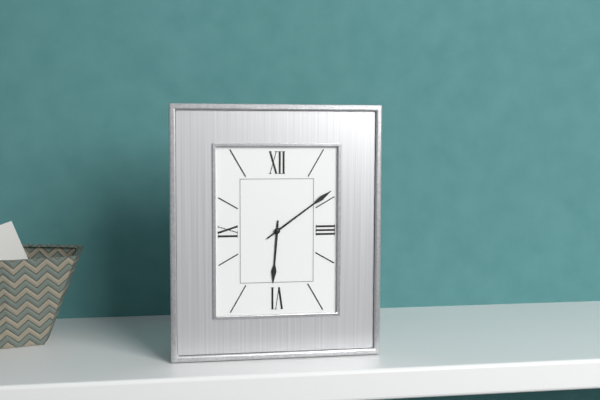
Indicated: 6 h 09 min
